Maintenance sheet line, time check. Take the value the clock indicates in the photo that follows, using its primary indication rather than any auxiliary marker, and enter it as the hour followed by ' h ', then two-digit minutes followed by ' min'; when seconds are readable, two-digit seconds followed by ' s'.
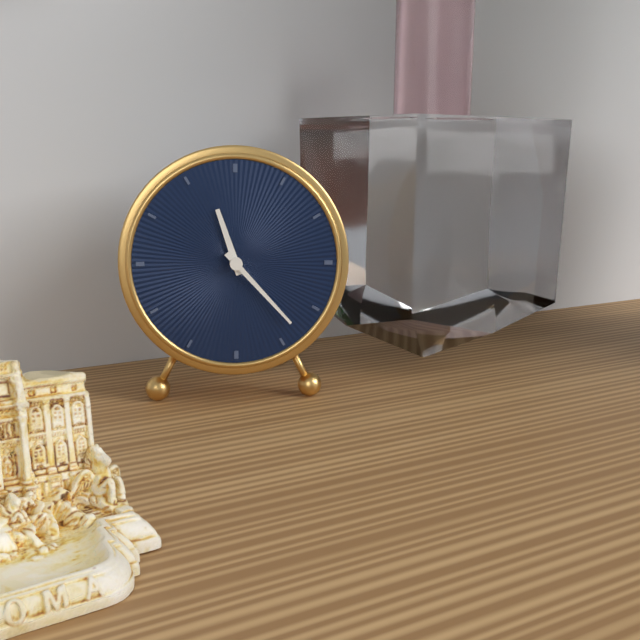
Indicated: 11 h 23 min
